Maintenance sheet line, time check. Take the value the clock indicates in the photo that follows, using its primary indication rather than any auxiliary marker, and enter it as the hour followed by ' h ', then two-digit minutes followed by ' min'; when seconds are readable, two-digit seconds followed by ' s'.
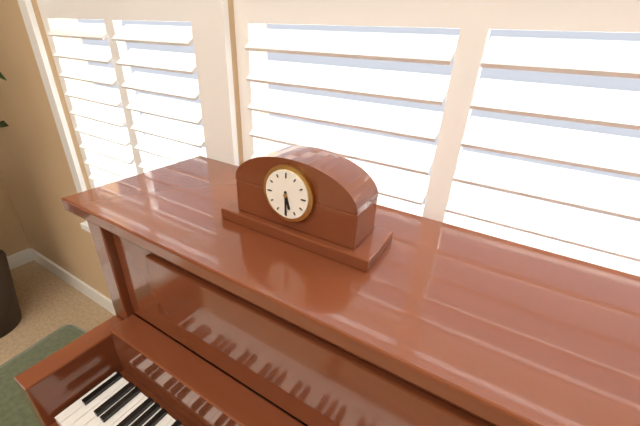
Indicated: 5 h 30 min
